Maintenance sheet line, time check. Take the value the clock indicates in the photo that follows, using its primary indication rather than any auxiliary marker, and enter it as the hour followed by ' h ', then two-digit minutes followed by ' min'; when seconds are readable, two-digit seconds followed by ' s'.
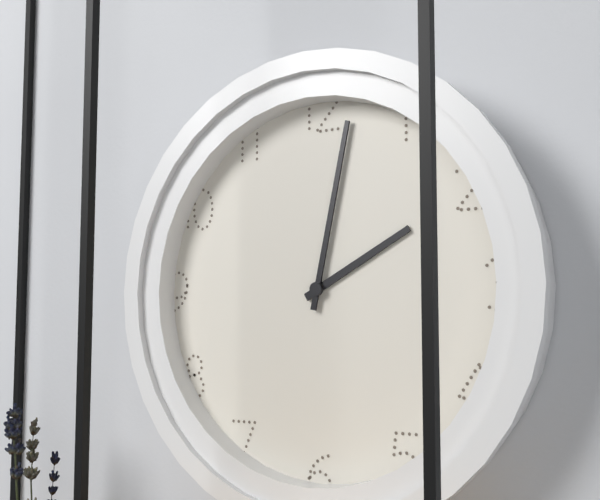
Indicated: 2 h 02 min
